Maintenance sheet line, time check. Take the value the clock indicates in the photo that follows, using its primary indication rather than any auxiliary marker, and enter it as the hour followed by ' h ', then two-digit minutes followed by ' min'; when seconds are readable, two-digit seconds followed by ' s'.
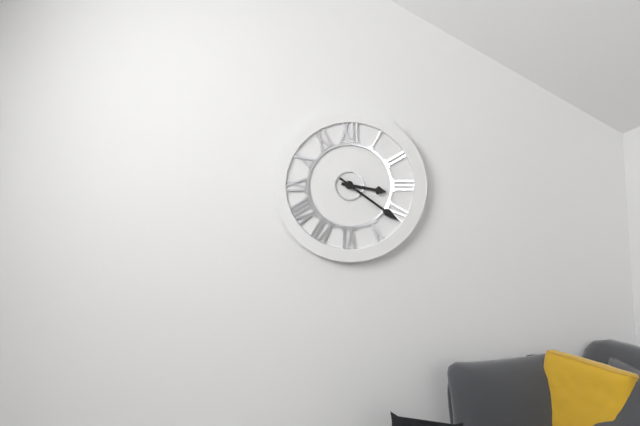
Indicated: 3 h 21 min
